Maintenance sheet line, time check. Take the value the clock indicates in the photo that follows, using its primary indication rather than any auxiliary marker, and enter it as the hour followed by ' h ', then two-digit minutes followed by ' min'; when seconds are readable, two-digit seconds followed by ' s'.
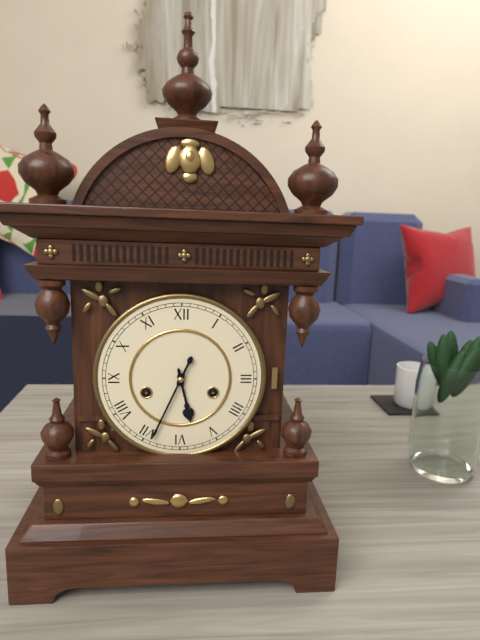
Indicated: 5 h 34 min
